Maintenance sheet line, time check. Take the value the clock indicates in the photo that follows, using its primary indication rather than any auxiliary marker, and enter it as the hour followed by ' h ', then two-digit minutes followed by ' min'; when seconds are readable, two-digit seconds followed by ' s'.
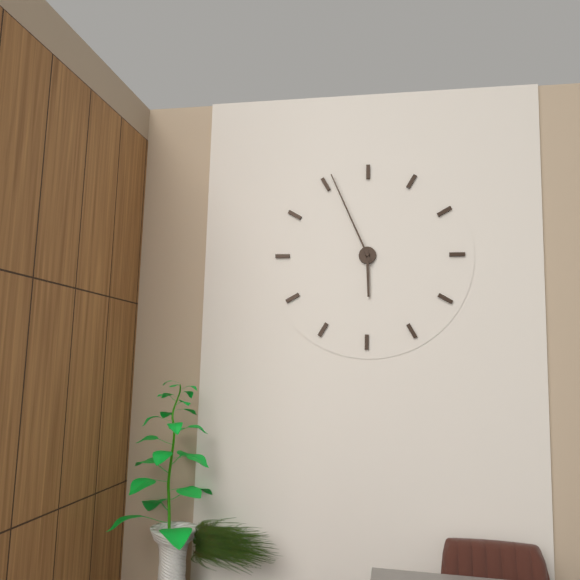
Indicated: 5 h 56 min
